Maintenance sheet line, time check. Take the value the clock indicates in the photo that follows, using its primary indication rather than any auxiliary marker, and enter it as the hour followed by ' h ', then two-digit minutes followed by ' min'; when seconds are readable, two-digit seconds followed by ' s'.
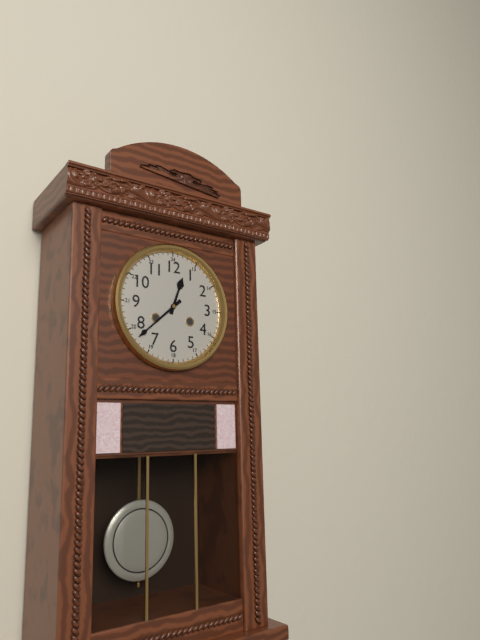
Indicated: 12 h 38 min
